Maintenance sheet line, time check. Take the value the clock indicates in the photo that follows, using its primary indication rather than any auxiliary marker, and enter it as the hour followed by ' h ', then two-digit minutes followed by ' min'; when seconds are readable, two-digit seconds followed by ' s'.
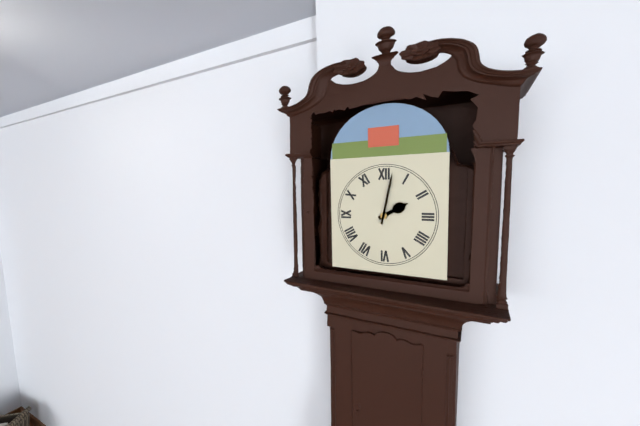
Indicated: 2 h 02 min
